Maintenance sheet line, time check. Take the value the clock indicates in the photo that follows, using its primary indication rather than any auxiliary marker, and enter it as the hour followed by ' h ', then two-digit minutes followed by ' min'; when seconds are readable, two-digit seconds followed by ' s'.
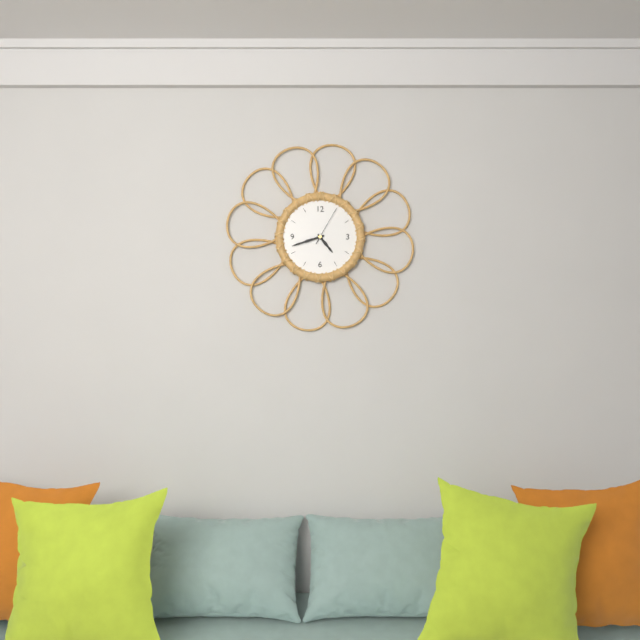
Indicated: 4 h 42 min
